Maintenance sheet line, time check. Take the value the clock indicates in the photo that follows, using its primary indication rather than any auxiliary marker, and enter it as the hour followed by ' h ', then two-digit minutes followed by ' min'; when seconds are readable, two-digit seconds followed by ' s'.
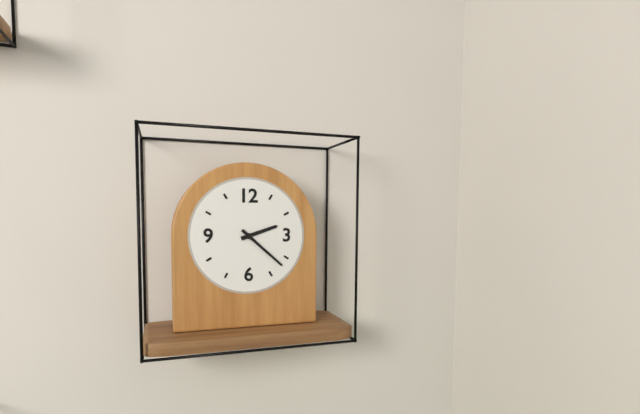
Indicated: 2 h 22 min
